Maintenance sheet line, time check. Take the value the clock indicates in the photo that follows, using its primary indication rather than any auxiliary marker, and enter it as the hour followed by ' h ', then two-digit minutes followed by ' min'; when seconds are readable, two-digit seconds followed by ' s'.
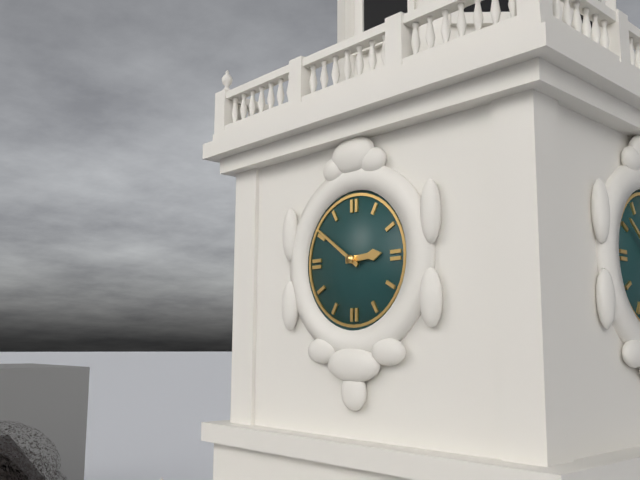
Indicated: 2 h 51 min
